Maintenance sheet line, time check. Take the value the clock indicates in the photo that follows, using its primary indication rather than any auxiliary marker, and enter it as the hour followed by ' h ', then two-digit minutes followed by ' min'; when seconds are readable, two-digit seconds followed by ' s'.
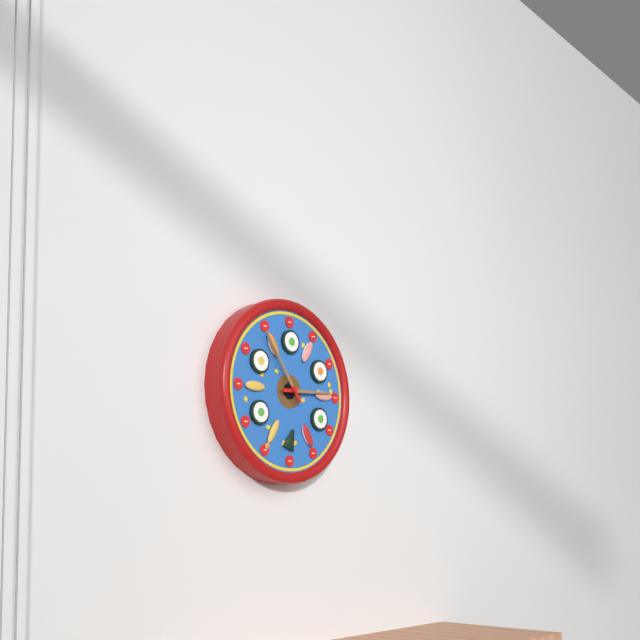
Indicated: 2 h 54 min
